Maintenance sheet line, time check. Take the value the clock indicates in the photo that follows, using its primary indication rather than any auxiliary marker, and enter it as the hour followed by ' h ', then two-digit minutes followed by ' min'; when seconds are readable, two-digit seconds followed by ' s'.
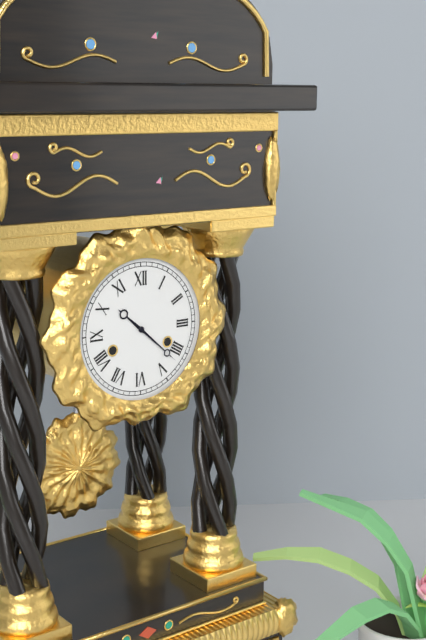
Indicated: 10 h 22 min
